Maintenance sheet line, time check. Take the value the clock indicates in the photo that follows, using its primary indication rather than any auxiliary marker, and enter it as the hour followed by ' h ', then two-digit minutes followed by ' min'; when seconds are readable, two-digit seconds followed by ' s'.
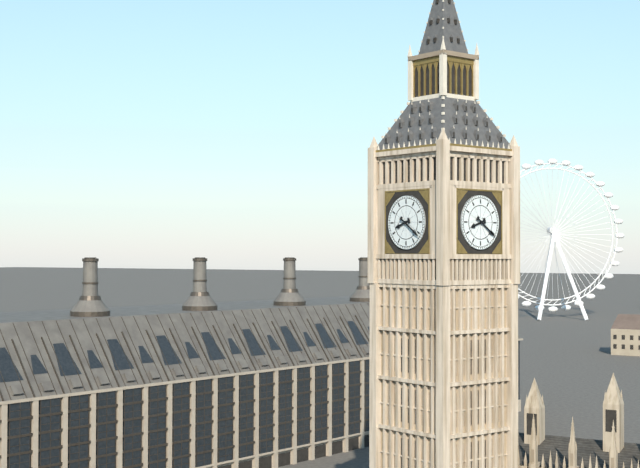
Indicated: 8 h 21 min
